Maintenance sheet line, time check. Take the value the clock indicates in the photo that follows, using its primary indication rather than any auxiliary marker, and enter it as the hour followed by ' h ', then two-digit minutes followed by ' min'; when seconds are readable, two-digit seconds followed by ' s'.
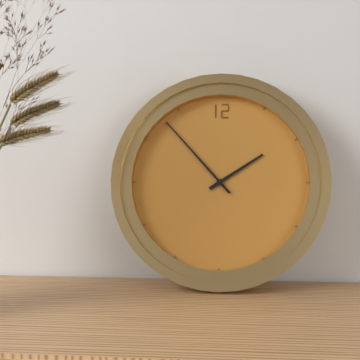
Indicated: 1 h 53 min
